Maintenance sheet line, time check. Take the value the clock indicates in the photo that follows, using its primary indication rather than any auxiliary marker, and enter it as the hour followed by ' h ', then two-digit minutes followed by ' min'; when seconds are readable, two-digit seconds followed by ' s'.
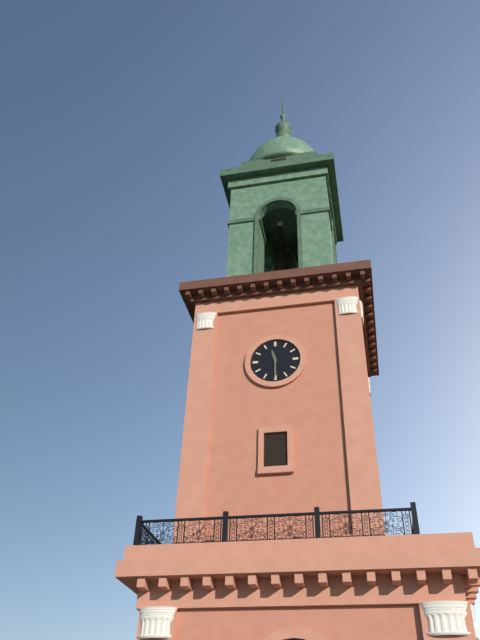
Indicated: 11 h 30 min
